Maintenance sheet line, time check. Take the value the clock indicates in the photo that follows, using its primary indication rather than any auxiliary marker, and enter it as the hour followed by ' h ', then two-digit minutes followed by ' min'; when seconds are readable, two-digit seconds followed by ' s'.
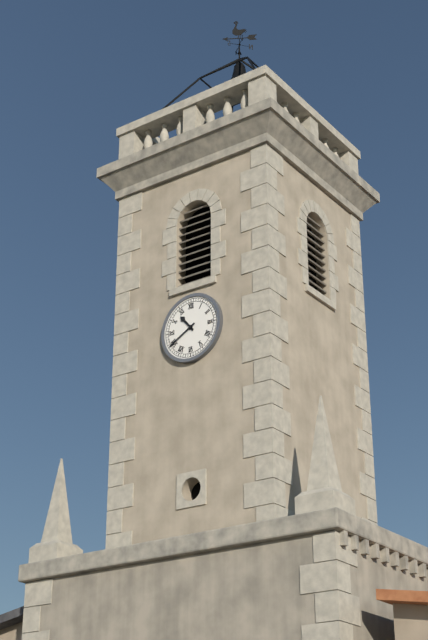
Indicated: 10 h 40 min
